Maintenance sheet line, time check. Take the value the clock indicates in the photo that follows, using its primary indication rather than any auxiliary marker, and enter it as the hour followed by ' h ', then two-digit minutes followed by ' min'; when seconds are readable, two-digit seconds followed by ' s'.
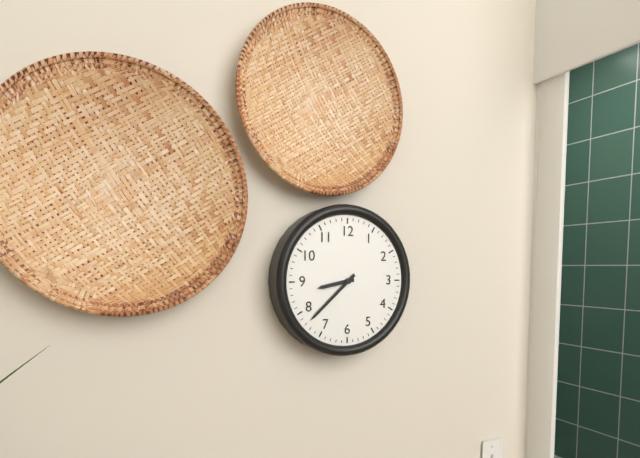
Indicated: 8 h 38 min
